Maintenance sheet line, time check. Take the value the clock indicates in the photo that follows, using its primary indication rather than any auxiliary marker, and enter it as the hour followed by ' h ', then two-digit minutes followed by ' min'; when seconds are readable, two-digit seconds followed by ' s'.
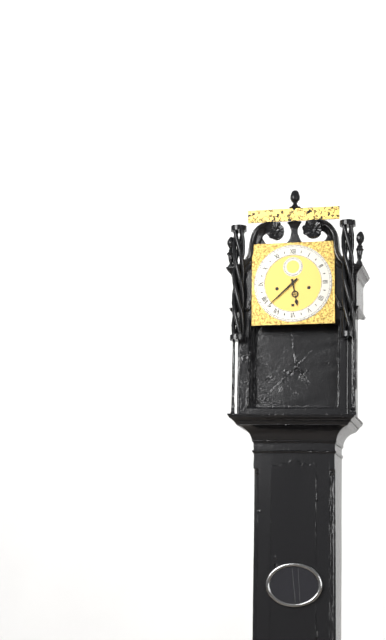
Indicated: 5 h 38 min
